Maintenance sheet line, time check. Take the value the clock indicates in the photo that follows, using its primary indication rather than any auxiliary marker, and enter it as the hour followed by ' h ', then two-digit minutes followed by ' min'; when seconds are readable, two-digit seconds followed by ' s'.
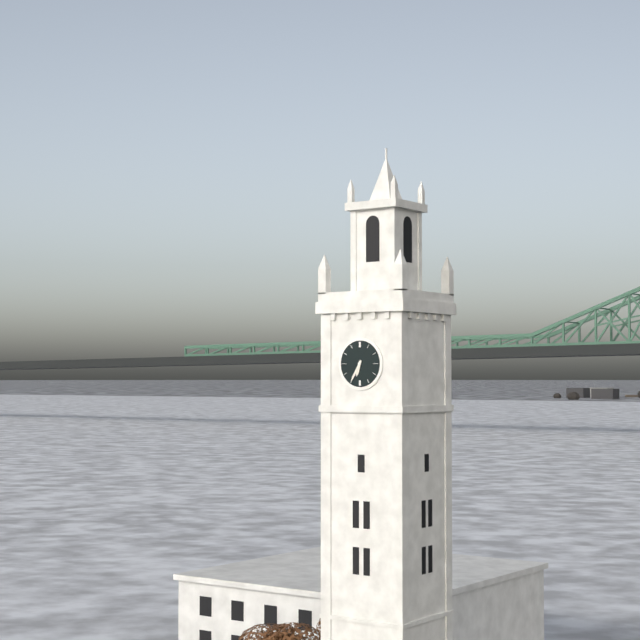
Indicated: 6 h 35 min
